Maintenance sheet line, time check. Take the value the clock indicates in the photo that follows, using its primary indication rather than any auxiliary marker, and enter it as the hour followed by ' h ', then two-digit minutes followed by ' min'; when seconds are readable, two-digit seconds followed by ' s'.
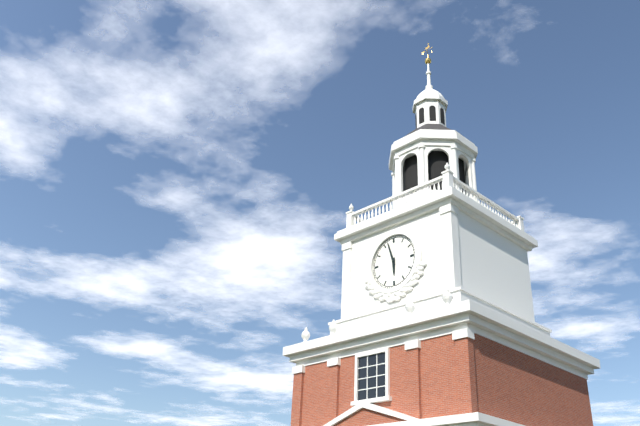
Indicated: 5 h 57 min
